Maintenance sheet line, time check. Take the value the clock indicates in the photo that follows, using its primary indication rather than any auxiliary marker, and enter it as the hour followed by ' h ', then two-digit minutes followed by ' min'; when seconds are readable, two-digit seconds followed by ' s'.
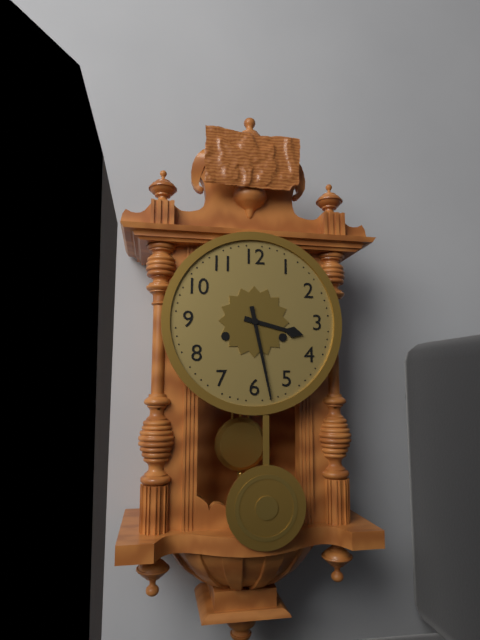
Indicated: 3 h 28 min
